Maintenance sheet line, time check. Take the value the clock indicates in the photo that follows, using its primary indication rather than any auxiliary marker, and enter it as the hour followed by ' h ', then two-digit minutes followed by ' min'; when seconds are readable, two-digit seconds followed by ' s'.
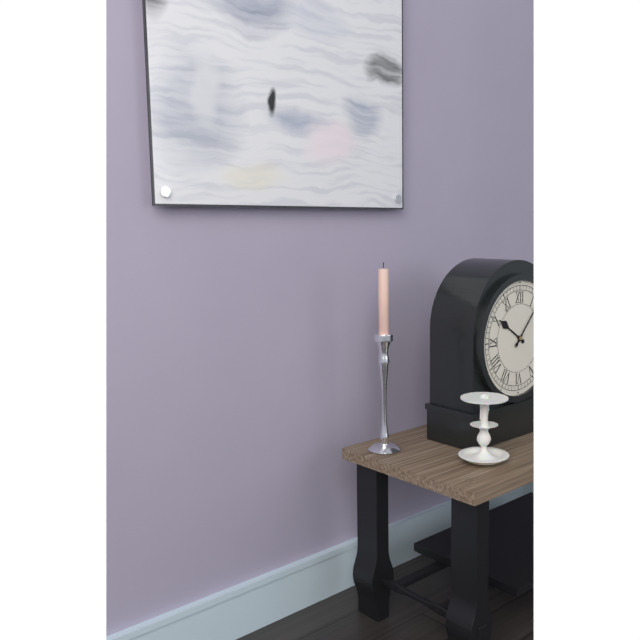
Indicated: 10 h 07 min
